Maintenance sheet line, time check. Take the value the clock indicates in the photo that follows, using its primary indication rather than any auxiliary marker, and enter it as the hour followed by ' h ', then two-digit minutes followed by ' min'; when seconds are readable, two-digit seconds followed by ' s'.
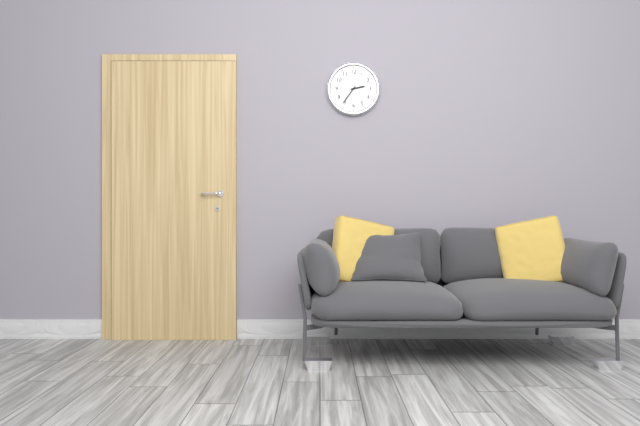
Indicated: 2 h 36 min
